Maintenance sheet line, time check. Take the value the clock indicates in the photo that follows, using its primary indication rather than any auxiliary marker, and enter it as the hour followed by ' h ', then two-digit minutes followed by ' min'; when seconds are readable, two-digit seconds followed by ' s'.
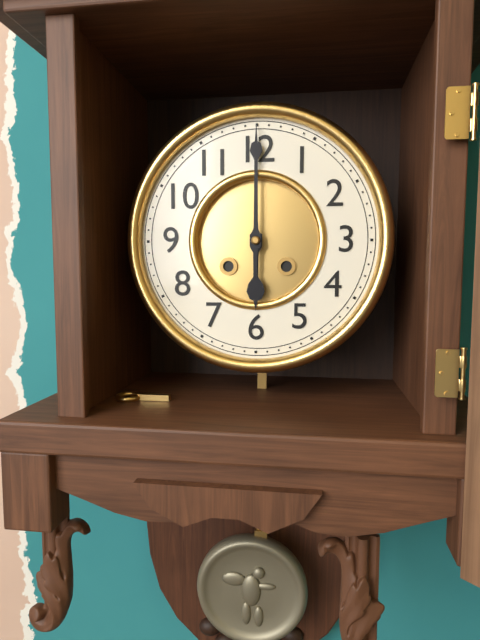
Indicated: 6 h 00 min
